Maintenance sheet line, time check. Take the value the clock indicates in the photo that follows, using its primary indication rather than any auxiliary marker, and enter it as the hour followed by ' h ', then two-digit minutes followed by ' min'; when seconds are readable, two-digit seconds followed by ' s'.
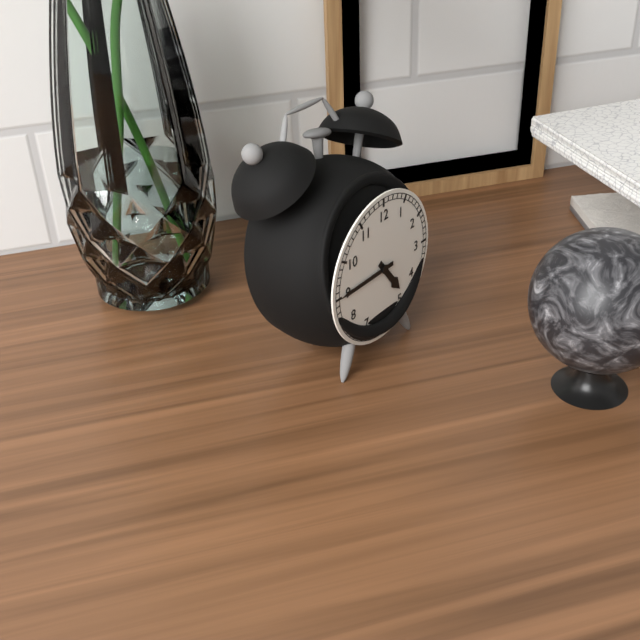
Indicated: 4 h 45 min
